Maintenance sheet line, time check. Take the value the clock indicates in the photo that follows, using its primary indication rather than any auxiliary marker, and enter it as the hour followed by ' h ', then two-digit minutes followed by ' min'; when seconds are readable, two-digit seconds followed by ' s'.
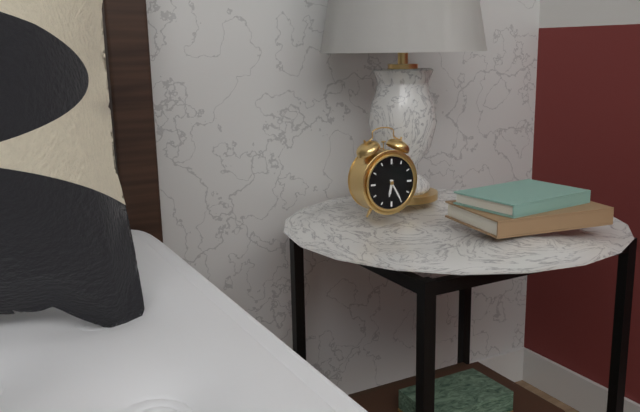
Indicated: 6 h 25 min
